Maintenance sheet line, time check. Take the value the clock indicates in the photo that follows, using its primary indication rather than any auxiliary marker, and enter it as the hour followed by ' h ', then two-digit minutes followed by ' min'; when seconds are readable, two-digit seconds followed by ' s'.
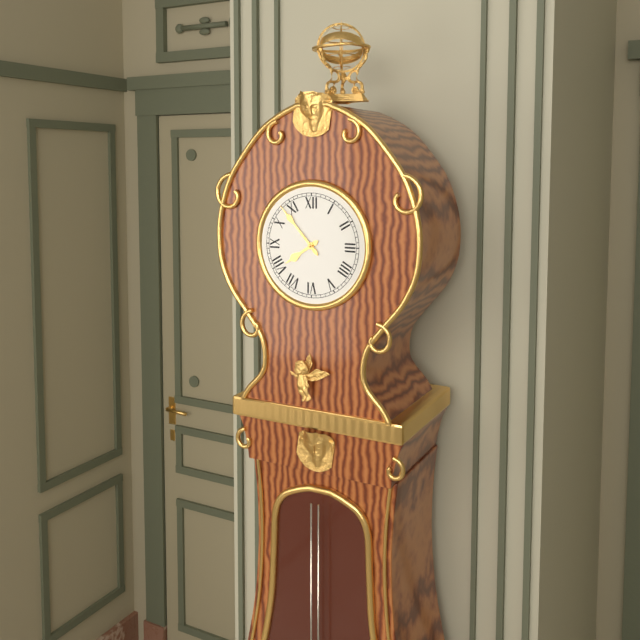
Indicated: 7 h 53 min
